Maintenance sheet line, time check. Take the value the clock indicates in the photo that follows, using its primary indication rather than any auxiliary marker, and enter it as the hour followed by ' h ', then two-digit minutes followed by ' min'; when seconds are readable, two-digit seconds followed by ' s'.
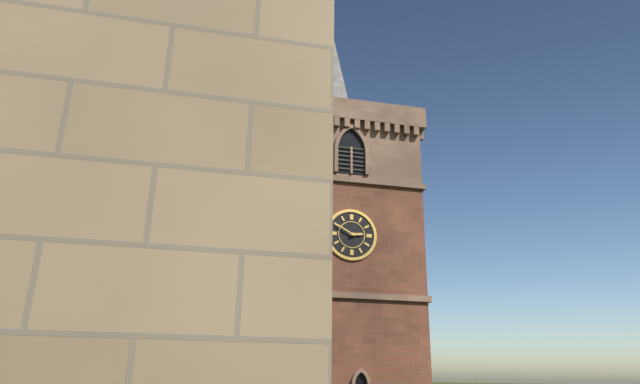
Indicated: 2 h 50 min
